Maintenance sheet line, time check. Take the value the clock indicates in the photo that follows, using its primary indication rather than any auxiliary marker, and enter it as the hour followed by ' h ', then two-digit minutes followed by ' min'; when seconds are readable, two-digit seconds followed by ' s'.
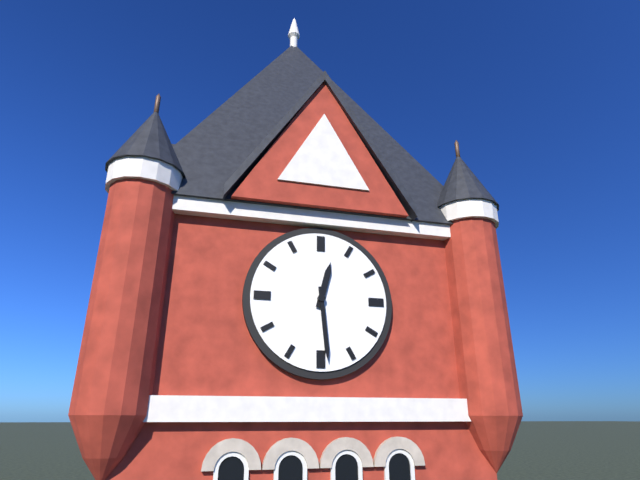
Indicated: 12 h 29 min
